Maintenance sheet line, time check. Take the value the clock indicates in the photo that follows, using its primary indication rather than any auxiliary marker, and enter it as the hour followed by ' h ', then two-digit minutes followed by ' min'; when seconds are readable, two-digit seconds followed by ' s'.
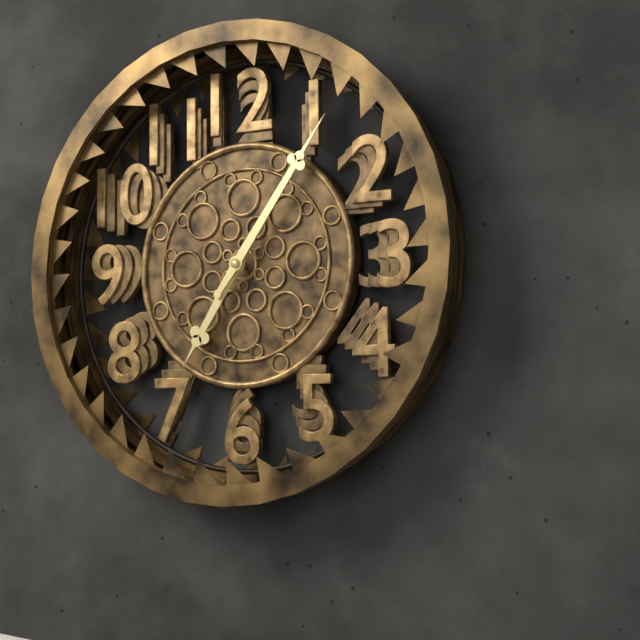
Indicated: 7 h 06 min
